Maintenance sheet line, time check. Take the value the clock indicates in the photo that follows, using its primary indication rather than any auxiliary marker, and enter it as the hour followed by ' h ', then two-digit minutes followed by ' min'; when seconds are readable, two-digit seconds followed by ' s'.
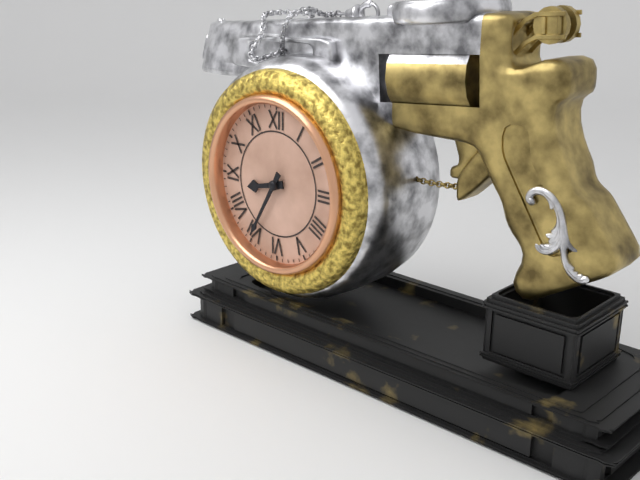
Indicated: 8 h 35 min
